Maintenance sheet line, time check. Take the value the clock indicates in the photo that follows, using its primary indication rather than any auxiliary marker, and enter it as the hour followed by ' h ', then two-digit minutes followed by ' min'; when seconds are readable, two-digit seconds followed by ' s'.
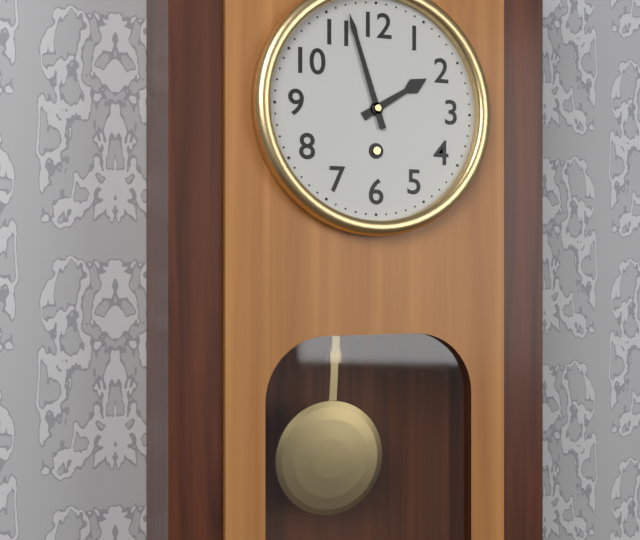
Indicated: 1 h 57 min
